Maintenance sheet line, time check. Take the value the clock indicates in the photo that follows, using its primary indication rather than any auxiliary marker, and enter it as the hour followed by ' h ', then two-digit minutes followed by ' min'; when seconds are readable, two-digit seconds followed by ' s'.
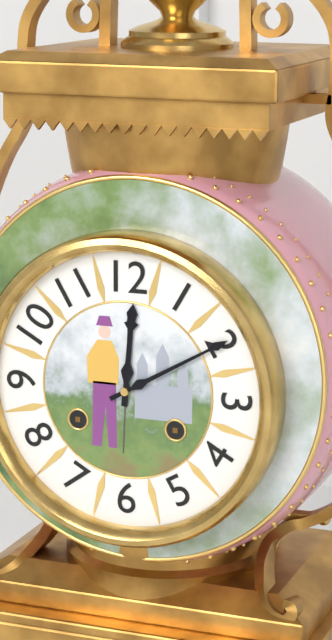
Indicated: 12 h 10 min
